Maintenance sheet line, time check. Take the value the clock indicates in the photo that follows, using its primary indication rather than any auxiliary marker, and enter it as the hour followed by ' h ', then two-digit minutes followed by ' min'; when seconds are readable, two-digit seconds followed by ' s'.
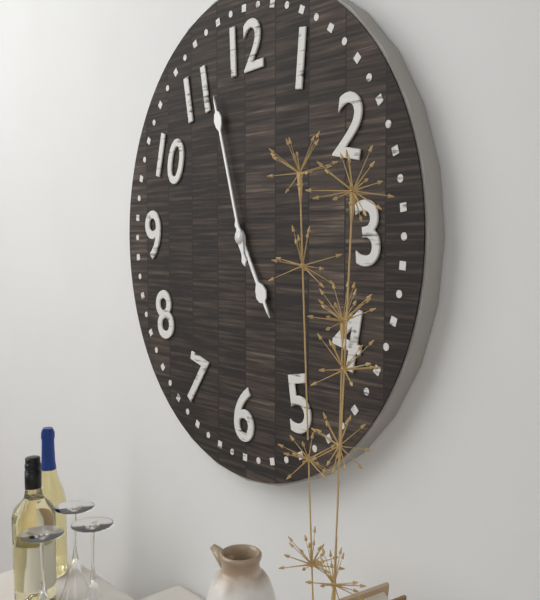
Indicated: 4 h 57 min
